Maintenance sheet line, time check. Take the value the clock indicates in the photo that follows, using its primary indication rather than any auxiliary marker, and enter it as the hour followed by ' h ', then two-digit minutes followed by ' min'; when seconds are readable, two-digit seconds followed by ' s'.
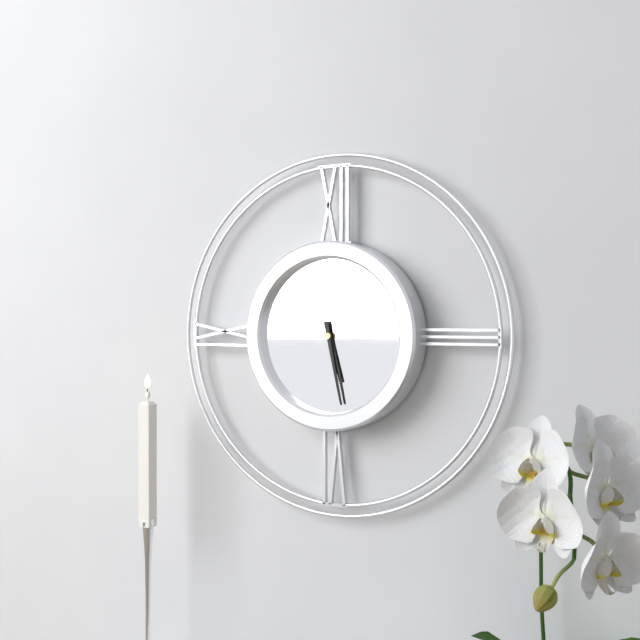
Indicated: 5 h 28 min
